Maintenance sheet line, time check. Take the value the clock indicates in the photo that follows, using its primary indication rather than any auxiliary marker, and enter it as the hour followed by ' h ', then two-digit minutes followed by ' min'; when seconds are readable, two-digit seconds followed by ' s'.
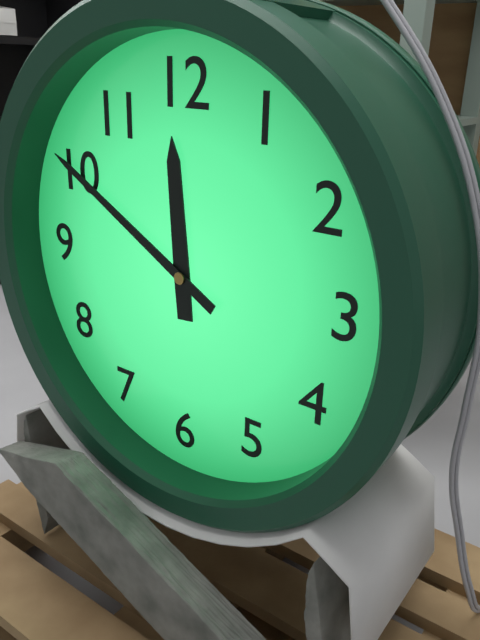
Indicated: 11 h 50 min
